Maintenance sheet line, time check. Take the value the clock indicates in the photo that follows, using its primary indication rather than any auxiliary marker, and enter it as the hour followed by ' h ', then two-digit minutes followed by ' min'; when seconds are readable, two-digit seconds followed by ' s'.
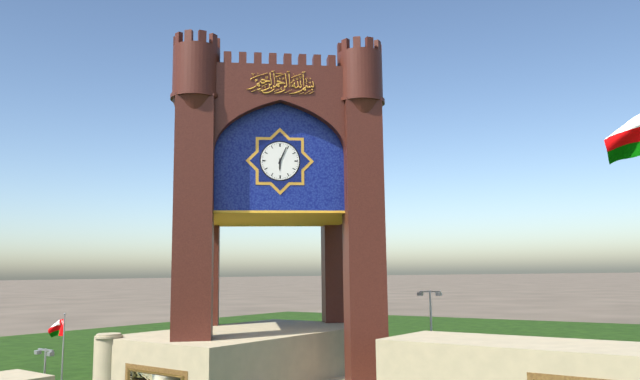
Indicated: 6 h 04 min
